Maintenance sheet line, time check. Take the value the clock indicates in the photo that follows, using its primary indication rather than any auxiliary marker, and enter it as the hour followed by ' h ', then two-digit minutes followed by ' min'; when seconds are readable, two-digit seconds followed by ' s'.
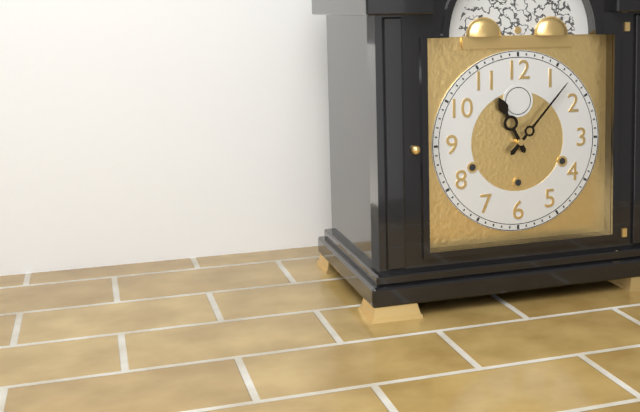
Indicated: 11 h 07 min
